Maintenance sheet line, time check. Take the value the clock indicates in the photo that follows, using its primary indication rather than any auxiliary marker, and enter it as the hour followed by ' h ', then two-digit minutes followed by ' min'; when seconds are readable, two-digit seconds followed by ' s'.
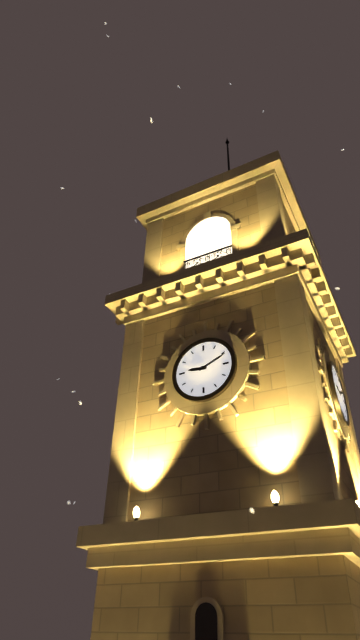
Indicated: 9 h 11 min
